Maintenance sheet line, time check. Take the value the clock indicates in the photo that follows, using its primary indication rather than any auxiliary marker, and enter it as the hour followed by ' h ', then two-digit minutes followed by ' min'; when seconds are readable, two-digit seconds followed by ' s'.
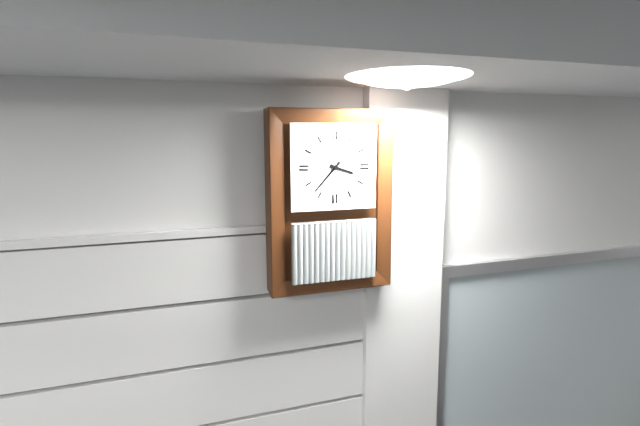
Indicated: 3 h 37 min
